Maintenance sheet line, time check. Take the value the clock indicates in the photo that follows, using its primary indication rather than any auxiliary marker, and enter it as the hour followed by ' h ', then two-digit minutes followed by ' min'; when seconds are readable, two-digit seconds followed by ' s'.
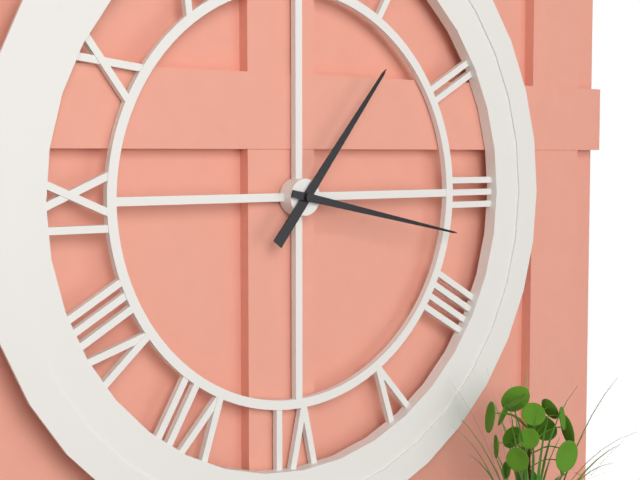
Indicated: 1 h 17 min
